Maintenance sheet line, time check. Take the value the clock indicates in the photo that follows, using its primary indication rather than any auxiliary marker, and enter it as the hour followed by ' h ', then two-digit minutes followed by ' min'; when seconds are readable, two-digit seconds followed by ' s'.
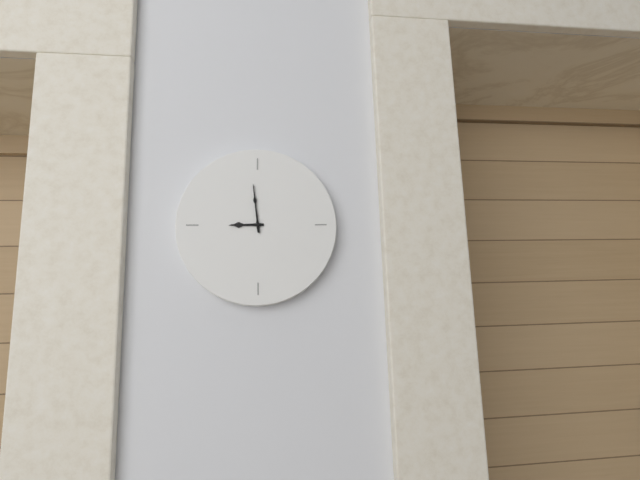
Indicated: 8 h 59 min
